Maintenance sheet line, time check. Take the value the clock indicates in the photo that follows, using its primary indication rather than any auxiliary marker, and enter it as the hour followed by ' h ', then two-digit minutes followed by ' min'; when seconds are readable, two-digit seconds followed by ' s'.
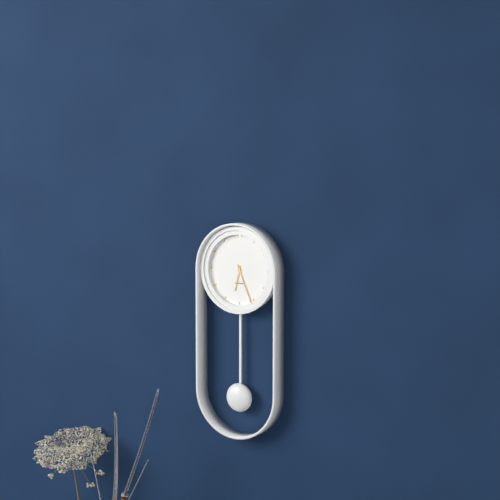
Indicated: 6 h 26 min
